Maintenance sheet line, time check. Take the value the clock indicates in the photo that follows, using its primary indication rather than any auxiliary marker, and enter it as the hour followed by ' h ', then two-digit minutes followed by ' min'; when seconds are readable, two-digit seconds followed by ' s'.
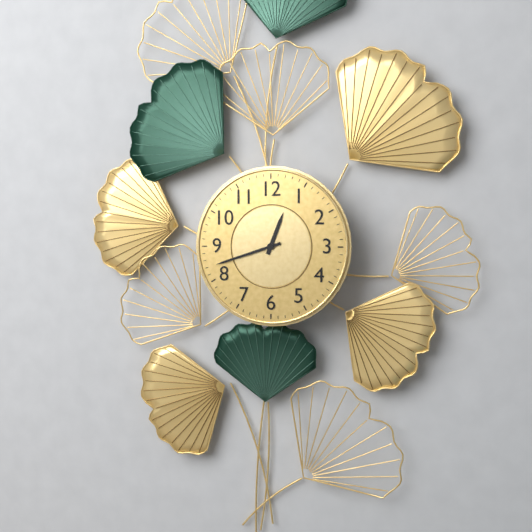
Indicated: 12 h 42 min
